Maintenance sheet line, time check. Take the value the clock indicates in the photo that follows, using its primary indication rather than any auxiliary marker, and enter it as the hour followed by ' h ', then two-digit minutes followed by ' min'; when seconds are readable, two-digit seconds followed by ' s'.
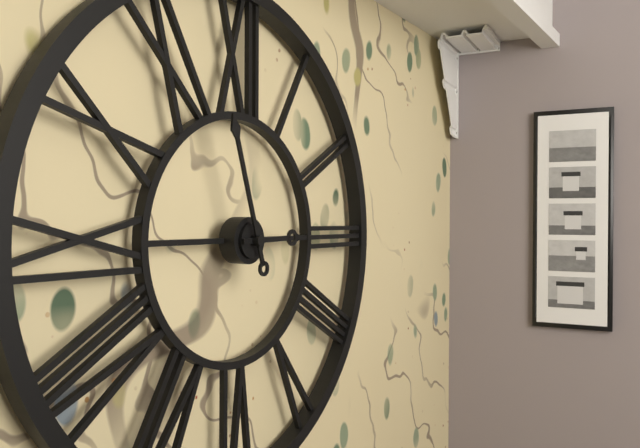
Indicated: 2 h 57 min
